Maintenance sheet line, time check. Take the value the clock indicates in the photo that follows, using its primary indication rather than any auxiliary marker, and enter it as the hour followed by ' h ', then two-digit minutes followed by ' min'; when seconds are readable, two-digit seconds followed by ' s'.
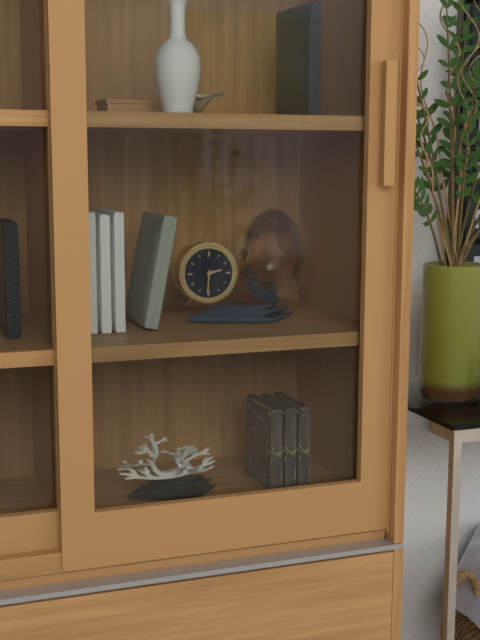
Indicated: 2 h 31 min
